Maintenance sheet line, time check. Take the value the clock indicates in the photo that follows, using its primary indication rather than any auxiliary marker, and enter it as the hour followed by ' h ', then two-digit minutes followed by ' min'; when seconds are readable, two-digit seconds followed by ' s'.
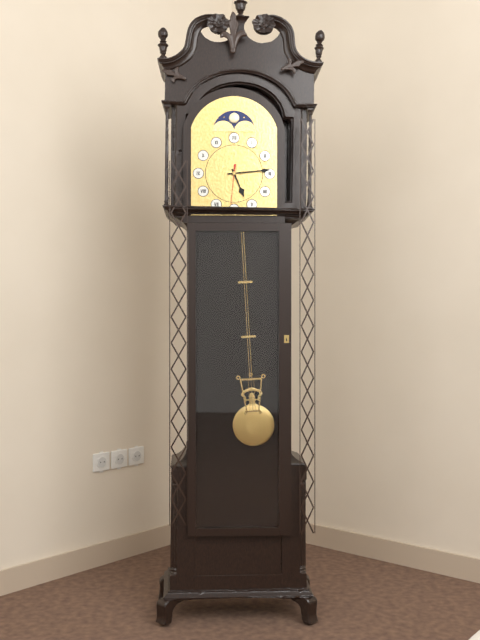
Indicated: 5 h 14 min
